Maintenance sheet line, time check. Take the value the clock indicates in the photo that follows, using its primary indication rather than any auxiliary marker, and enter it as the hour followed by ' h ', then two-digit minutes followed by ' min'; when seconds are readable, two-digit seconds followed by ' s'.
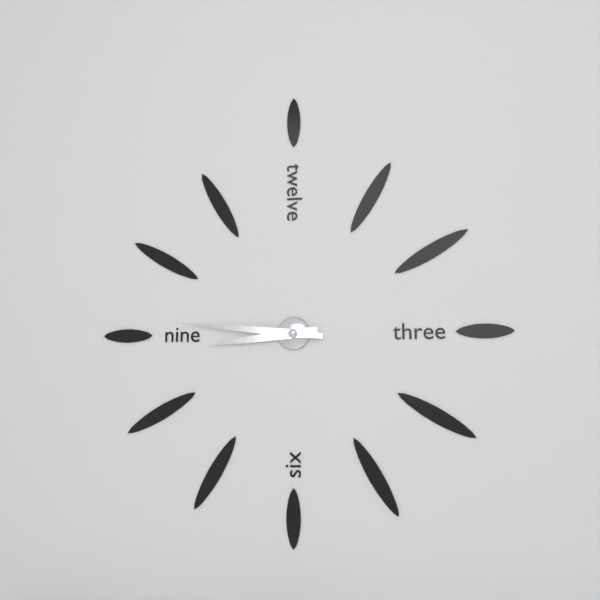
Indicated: 8 h 46 min
